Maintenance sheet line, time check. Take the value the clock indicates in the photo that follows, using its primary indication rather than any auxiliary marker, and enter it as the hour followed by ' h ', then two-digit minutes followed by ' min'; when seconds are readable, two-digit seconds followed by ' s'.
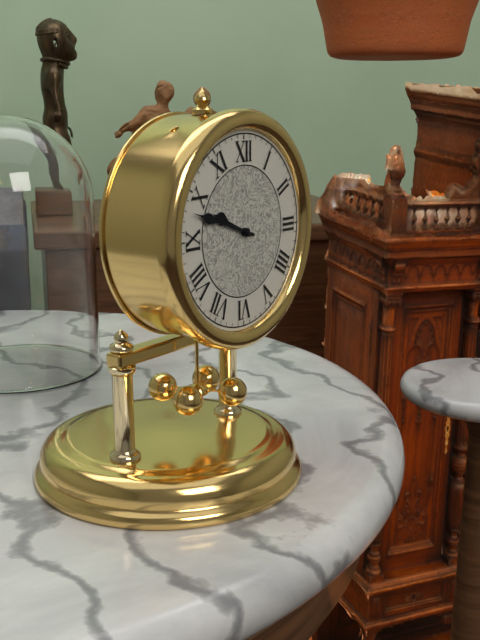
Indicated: 9 h 48 min
